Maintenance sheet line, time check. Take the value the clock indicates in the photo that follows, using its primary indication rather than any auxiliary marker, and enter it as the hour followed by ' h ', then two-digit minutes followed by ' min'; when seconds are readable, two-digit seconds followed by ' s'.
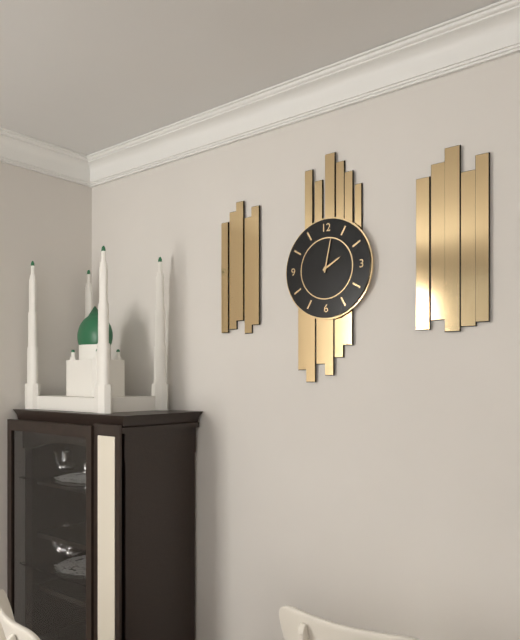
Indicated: 2 h 02 min
